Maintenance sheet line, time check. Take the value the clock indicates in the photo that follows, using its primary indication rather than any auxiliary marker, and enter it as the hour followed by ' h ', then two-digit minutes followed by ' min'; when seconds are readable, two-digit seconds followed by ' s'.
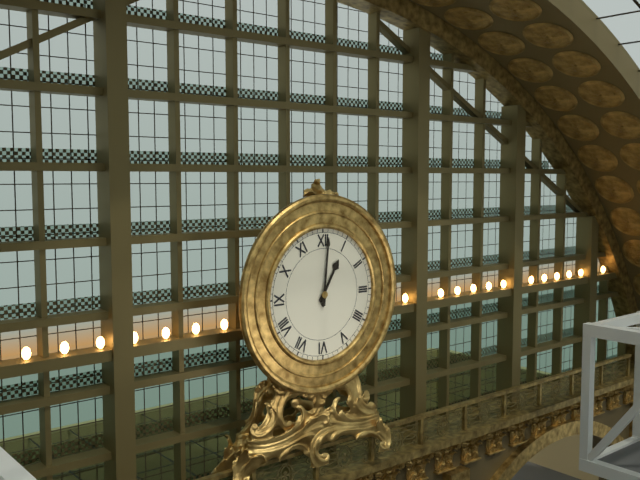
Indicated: 1 h 01 min
